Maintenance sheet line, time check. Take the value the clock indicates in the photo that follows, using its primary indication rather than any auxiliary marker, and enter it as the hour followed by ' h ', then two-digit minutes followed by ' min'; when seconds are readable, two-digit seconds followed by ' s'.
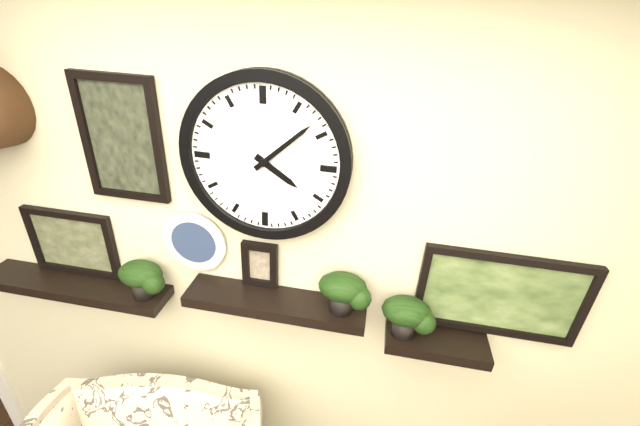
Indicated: 4 h 08 min
